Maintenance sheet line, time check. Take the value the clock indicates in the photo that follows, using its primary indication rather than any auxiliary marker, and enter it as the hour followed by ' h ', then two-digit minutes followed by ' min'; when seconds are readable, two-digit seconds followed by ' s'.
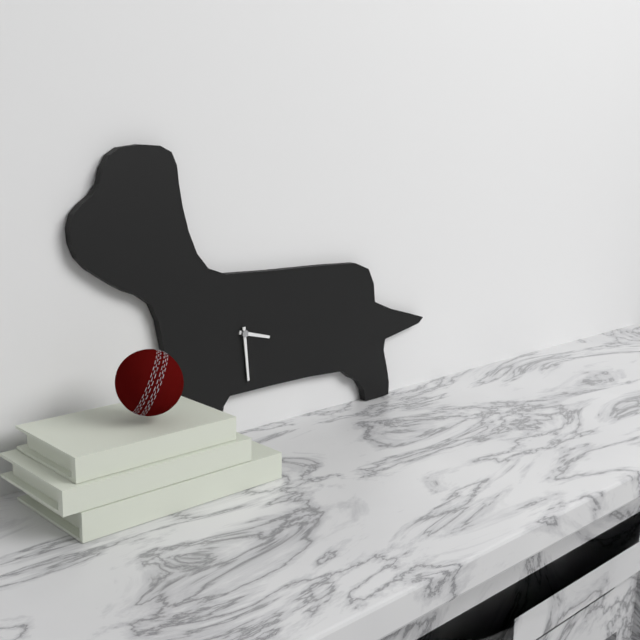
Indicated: 3 h 29 min
